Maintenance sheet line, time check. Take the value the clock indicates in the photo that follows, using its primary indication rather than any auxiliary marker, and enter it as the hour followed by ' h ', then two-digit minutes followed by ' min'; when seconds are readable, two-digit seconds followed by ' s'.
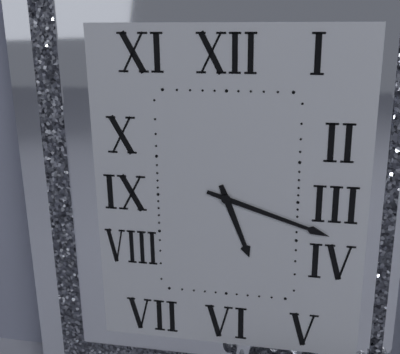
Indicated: 5 h 18 min
